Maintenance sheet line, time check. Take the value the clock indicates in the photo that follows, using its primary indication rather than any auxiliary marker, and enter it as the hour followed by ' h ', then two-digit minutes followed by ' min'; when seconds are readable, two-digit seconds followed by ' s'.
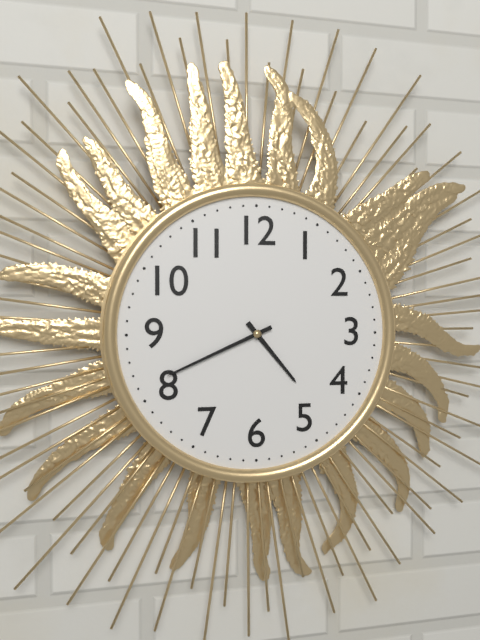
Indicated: 4 h 41 min
